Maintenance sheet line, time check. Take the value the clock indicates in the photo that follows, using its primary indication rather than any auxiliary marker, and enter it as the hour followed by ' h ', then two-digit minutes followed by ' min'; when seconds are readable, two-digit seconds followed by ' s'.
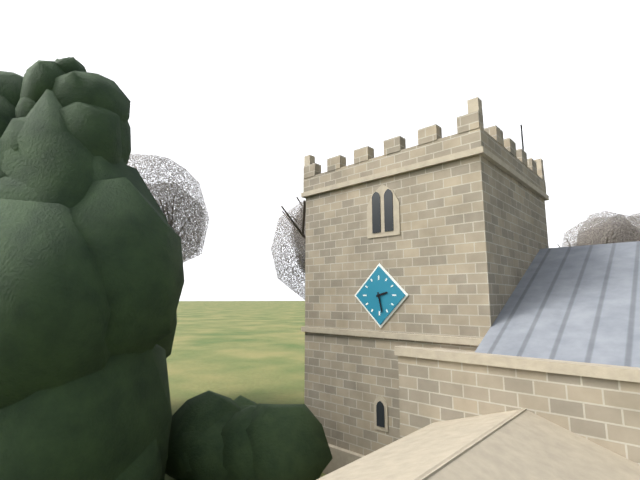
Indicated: 2 h 28 min
